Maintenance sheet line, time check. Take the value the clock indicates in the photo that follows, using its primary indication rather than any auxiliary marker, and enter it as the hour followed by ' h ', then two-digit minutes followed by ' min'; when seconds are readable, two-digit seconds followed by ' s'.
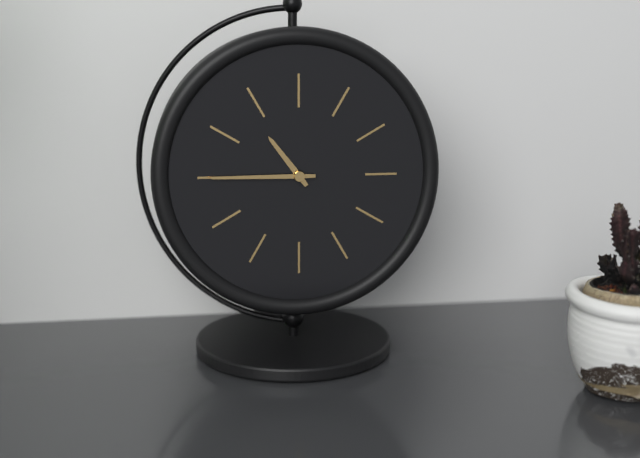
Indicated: 10 h 45 min
